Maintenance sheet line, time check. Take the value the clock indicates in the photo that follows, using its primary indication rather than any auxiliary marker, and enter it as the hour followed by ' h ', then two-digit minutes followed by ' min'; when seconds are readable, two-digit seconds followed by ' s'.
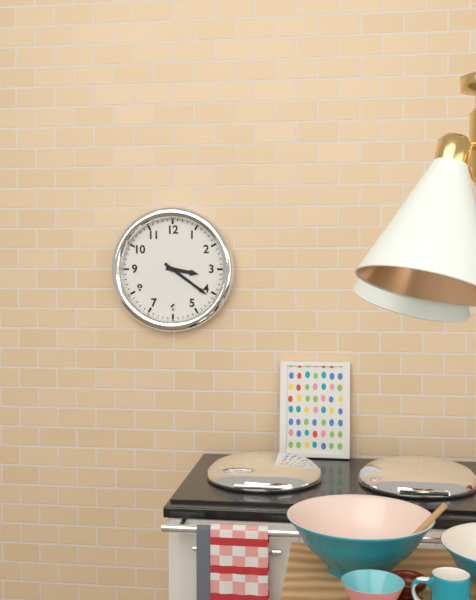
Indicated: 3 h 21 min
